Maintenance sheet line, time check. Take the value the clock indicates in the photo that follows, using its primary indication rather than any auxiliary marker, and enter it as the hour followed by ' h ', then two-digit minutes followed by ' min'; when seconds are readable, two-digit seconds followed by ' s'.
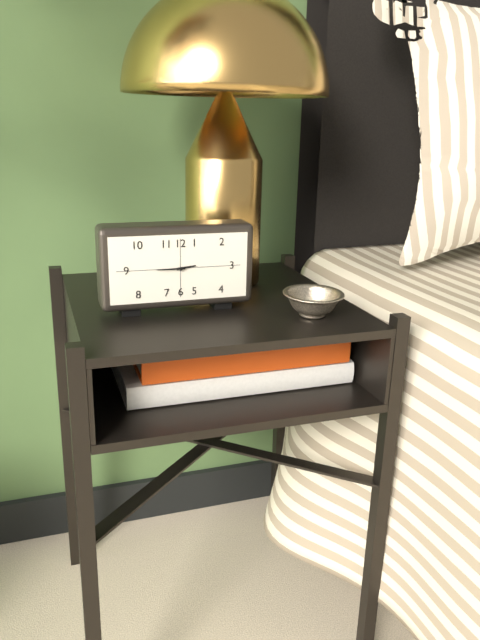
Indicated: 2 h 45 min
